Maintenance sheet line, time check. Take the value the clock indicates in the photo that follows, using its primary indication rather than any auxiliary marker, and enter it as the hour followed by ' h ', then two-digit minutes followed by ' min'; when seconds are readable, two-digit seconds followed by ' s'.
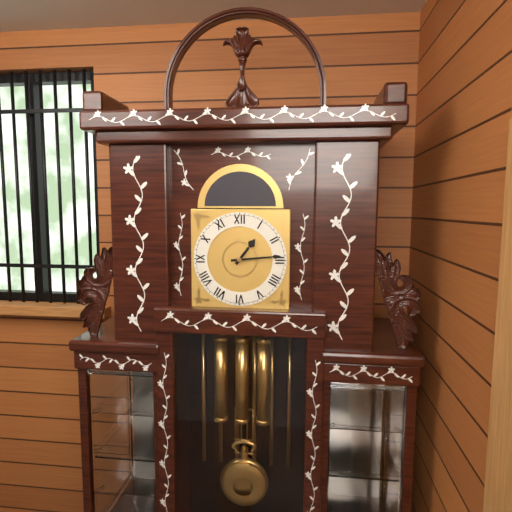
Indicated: 1 h 14 min
